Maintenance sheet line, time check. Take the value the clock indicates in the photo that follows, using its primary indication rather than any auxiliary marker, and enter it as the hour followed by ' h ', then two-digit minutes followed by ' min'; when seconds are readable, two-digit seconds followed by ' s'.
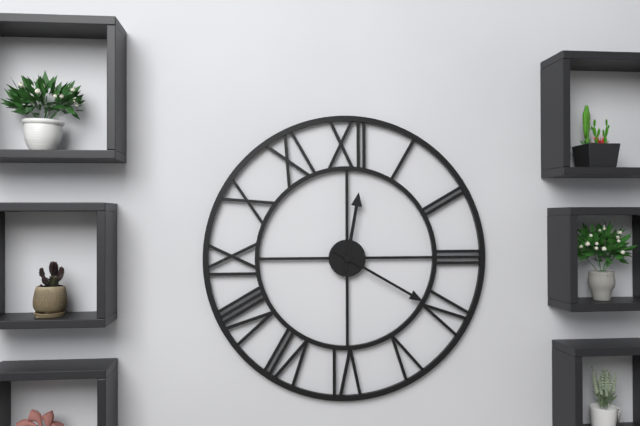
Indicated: 12 h 20 min
